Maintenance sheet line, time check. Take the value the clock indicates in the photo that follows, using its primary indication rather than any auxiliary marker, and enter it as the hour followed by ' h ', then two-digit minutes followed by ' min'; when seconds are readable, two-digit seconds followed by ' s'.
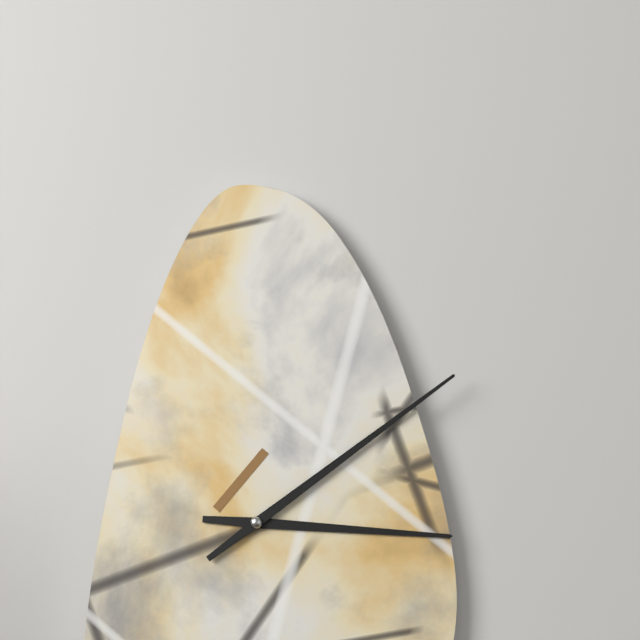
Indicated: 3 h 09 min
